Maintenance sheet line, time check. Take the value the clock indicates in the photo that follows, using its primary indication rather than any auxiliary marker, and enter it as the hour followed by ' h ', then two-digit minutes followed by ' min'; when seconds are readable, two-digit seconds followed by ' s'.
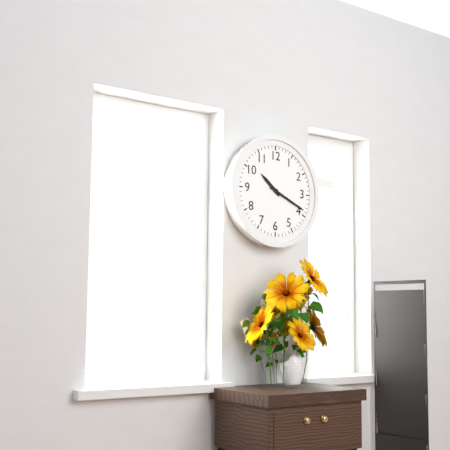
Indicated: 10 h 19 min
